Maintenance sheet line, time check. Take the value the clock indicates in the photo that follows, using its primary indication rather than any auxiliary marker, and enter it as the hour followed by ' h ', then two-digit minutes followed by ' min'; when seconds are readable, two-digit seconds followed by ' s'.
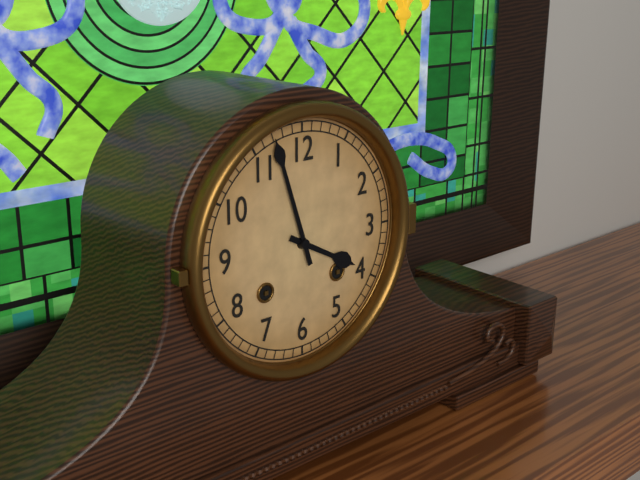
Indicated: 3 h 57 min
